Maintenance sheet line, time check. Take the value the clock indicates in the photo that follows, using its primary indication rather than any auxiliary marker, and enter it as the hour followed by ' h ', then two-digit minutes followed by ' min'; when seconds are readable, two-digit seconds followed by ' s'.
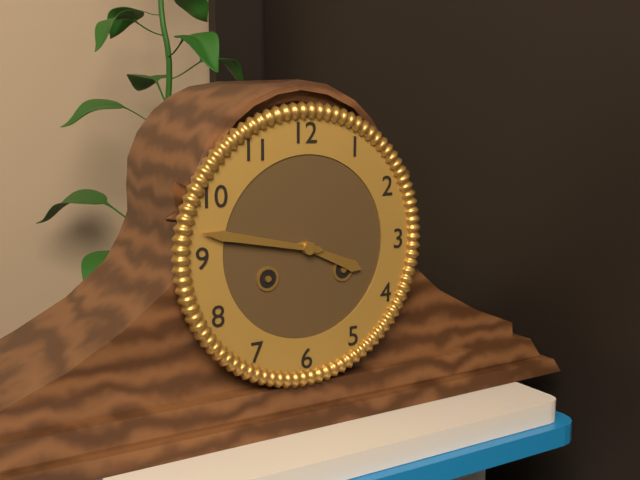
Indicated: 3 h 47 min
